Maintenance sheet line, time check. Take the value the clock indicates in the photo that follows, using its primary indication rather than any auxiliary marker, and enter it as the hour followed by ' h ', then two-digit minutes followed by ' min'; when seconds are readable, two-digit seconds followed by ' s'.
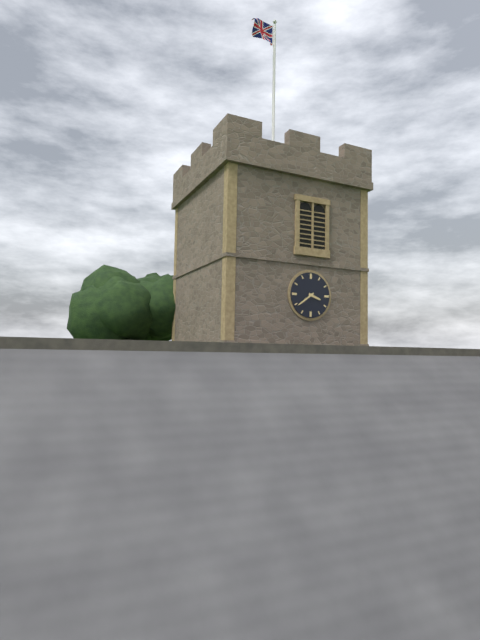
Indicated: 3 h 39 min
